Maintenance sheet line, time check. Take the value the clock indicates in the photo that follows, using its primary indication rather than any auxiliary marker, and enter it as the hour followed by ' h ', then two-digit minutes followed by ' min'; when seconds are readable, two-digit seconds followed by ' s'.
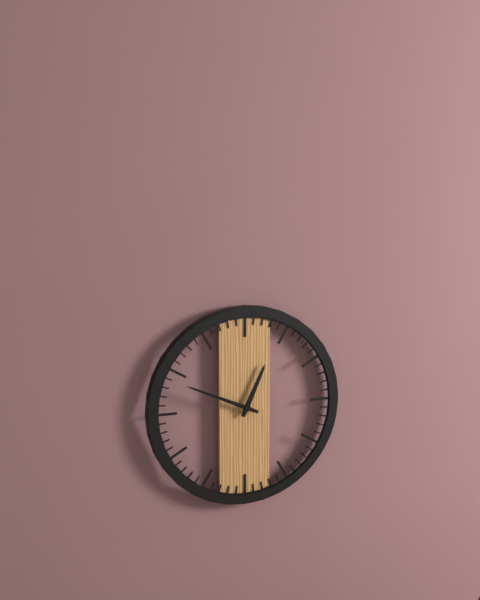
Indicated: 12 h 49 min
